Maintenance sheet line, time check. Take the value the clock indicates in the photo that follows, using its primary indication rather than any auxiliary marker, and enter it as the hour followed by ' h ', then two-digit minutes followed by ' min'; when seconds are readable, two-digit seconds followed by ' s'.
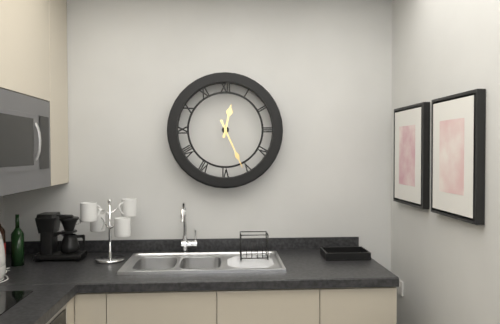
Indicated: 12 h 26 min
